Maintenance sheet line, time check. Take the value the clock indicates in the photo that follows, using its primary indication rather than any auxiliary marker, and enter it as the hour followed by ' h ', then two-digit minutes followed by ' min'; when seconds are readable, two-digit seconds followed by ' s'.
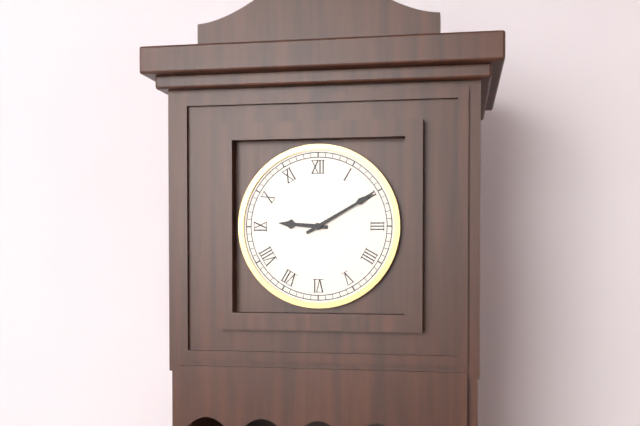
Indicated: 9 h 10 min
